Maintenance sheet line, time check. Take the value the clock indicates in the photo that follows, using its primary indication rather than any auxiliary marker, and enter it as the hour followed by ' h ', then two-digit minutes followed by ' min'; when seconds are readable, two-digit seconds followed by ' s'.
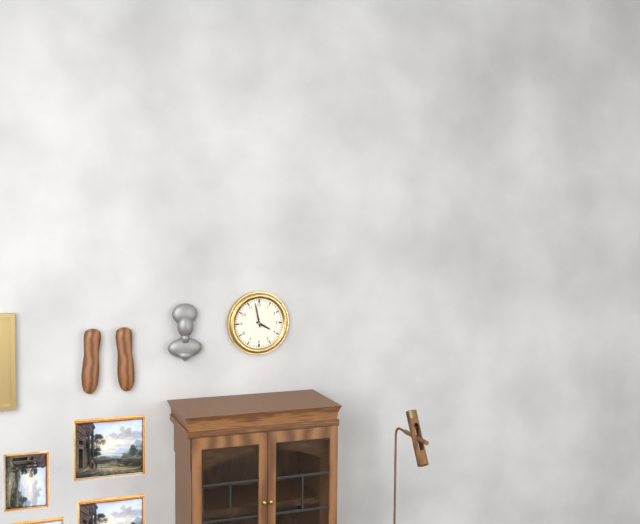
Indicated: 3 h 58 min
